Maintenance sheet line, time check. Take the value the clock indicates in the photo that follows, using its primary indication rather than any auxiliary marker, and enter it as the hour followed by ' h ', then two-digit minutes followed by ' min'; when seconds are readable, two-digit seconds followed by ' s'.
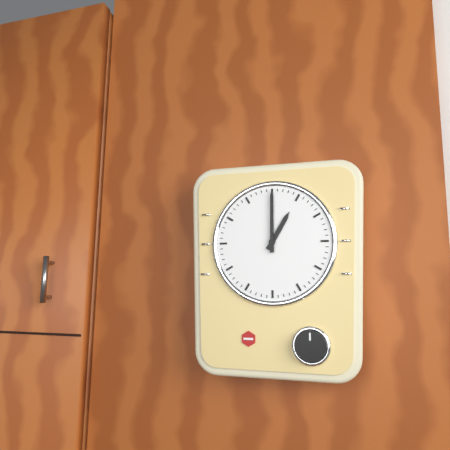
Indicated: 1 h 00 min
